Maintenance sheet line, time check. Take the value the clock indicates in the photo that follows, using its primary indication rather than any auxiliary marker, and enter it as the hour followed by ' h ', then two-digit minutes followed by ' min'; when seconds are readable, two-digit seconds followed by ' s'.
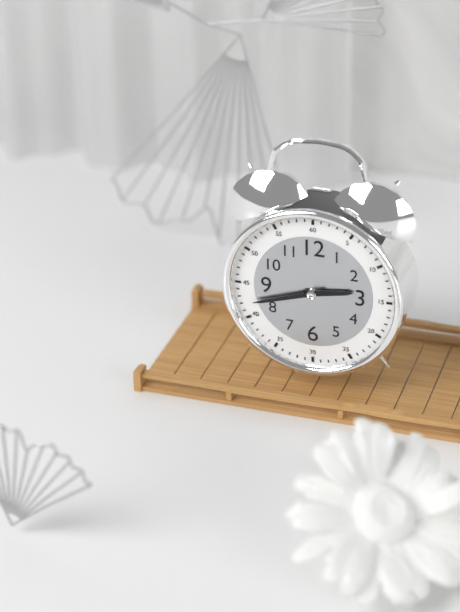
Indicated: 2 h 42 min
